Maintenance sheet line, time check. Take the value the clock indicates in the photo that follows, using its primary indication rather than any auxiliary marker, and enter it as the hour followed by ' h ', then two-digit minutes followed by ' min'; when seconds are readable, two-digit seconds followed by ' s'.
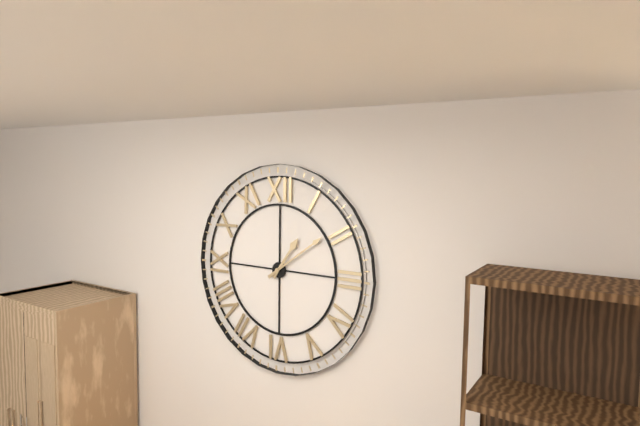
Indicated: 1 h 09 min
